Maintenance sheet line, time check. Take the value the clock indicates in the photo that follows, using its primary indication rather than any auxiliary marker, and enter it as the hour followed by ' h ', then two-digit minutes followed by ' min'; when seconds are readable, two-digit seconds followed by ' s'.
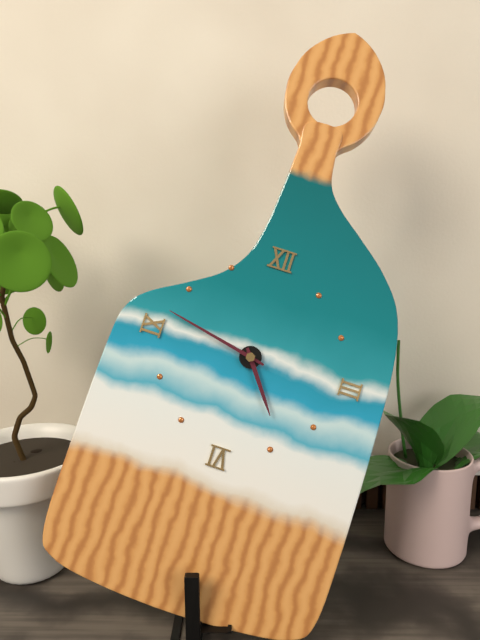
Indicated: 4 h 47 min
